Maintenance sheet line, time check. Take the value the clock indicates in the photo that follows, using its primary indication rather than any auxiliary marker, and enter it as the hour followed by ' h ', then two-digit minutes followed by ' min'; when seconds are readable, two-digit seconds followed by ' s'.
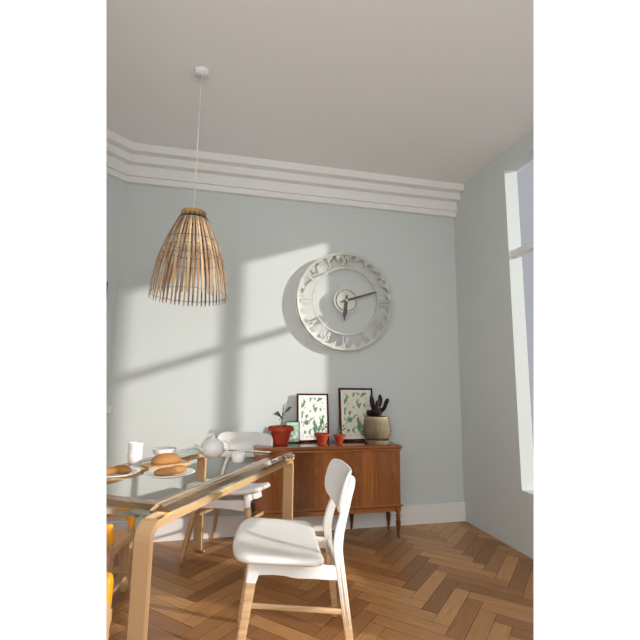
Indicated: 6 h 12 min
